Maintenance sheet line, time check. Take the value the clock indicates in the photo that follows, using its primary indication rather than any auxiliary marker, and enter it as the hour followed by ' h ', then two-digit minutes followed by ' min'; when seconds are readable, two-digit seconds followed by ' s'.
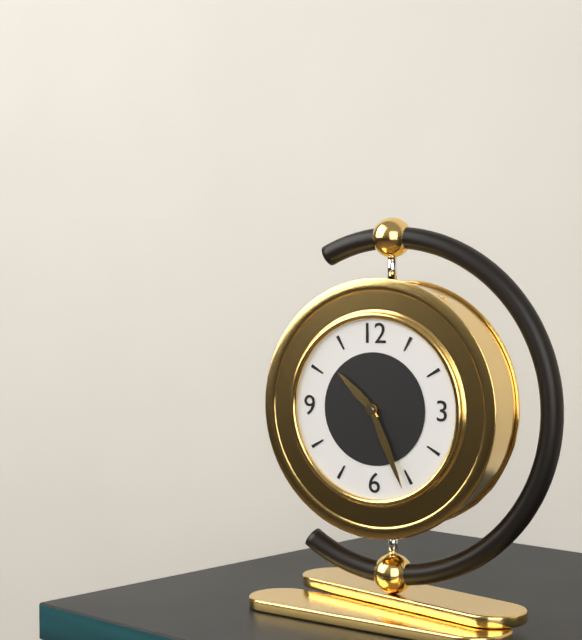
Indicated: 10 h 26 min
